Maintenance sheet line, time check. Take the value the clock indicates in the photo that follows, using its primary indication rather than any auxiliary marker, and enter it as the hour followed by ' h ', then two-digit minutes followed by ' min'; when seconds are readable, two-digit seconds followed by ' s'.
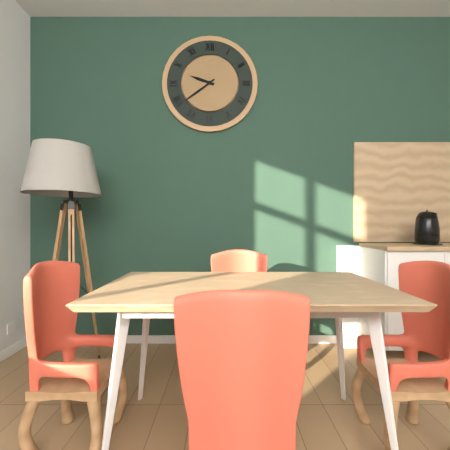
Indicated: 9 h 39 min
